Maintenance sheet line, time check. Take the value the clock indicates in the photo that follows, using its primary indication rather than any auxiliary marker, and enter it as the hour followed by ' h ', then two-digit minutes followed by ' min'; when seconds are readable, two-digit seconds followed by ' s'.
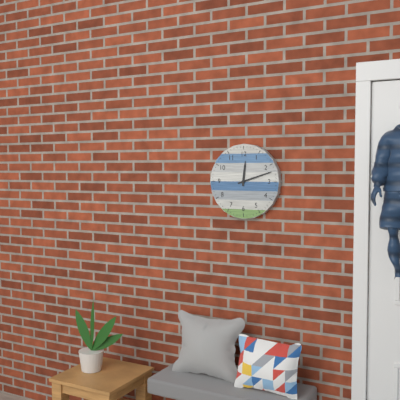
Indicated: 12 h 12 min
